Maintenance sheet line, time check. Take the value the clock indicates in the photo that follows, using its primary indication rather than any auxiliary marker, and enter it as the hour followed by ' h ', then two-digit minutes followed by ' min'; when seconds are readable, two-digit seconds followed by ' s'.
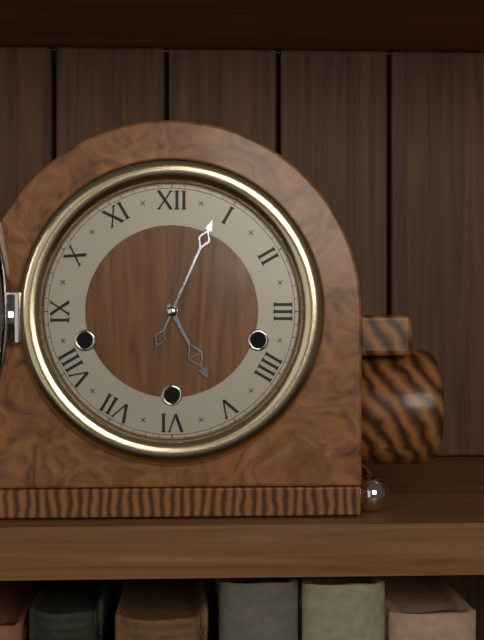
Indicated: 5 h 04 min
